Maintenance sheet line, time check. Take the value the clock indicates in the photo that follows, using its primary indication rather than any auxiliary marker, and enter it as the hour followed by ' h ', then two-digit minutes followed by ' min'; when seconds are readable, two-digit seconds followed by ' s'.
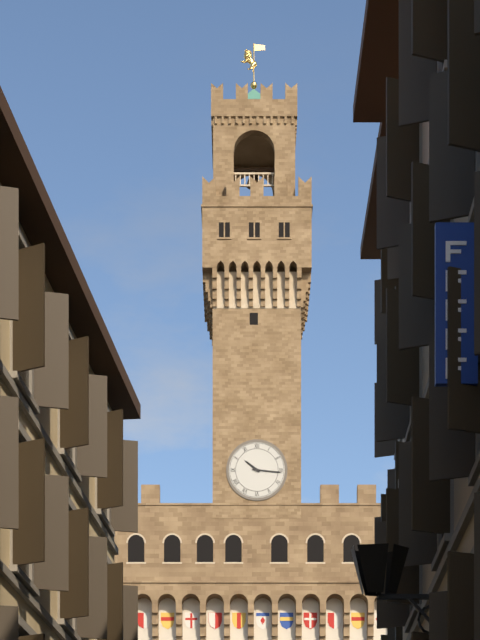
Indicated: 10 h 16 min
